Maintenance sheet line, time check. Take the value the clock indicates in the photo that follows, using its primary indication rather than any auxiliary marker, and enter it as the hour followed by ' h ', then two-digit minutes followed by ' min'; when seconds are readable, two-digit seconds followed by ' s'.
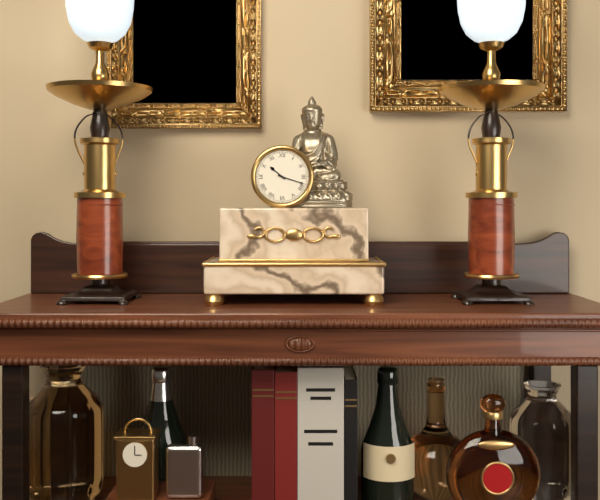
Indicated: 10 h 18 min
